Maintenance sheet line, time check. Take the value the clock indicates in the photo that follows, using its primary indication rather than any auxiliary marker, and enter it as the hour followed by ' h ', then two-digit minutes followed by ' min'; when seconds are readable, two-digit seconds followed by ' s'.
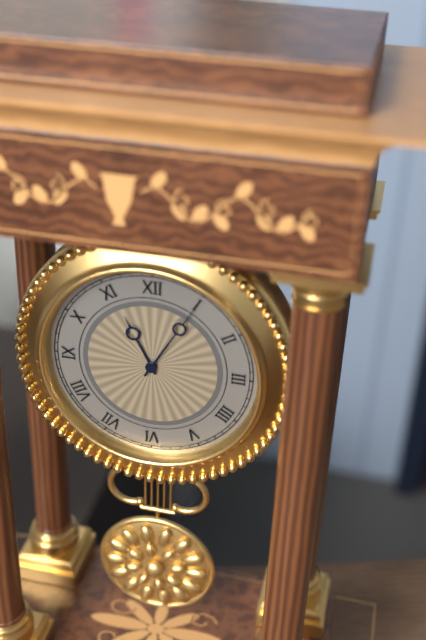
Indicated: 11 h 05 min
